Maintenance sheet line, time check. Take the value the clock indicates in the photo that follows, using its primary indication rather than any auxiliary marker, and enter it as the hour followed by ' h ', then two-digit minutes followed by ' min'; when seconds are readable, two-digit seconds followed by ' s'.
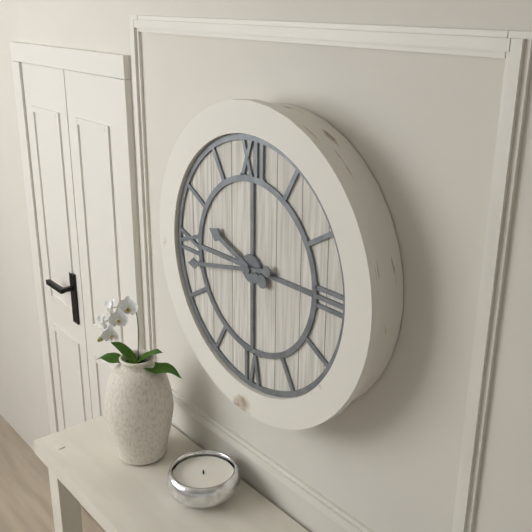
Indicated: 9 h 43 min
